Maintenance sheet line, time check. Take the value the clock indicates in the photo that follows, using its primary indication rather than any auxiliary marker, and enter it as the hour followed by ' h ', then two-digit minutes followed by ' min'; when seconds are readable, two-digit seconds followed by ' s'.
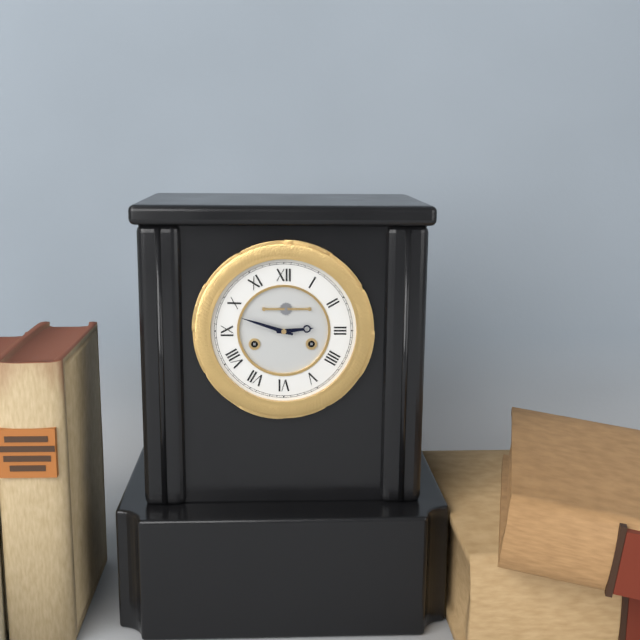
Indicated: 2 h 48 min
